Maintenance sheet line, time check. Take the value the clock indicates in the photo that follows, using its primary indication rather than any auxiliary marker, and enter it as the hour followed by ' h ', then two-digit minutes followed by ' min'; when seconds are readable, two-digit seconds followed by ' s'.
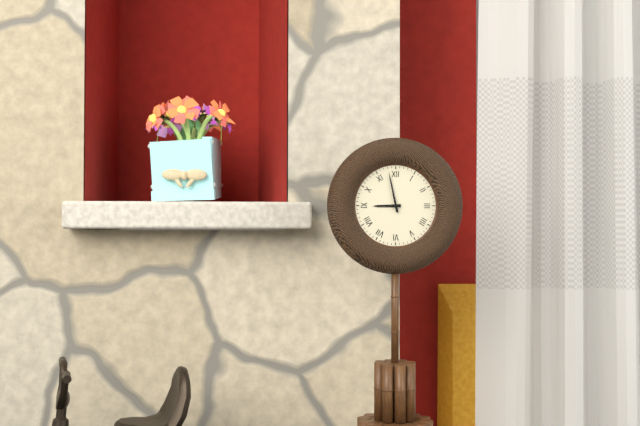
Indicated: 8 h 58 min
